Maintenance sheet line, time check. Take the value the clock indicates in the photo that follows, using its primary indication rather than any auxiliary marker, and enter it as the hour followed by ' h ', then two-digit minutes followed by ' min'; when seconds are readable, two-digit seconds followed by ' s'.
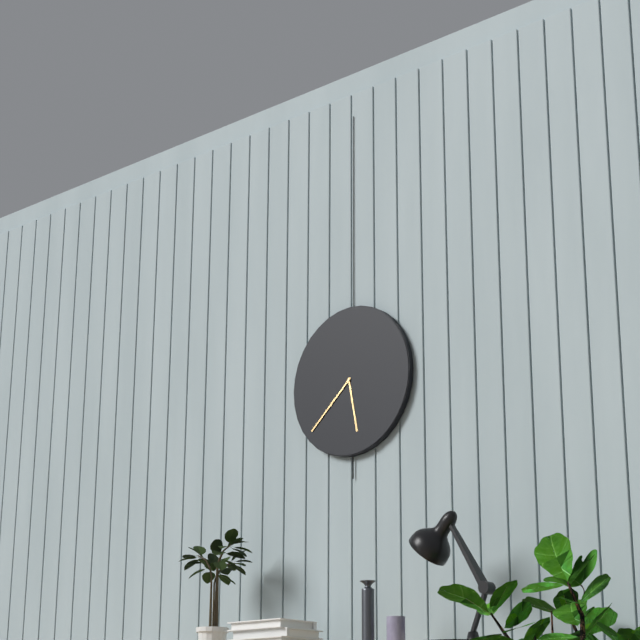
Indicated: 5 h 38 min
